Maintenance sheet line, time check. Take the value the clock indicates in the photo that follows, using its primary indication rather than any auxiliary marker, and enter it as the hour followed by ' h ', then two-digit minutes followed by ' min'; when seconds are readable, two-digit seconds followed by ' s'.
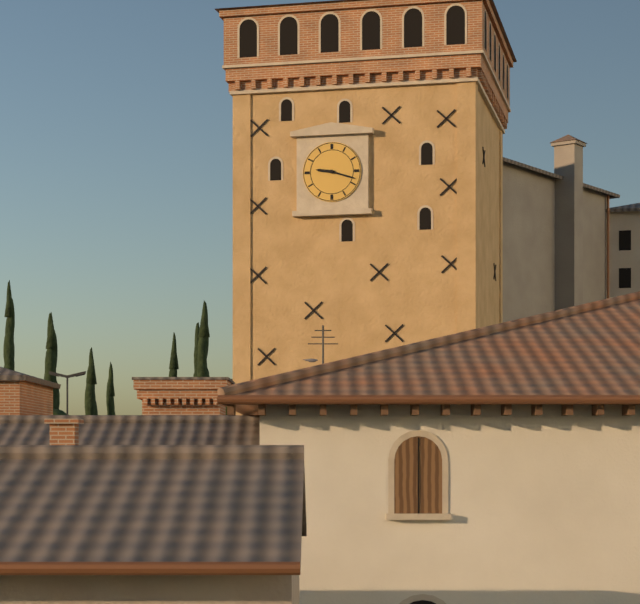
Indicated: 9 h 18 min
